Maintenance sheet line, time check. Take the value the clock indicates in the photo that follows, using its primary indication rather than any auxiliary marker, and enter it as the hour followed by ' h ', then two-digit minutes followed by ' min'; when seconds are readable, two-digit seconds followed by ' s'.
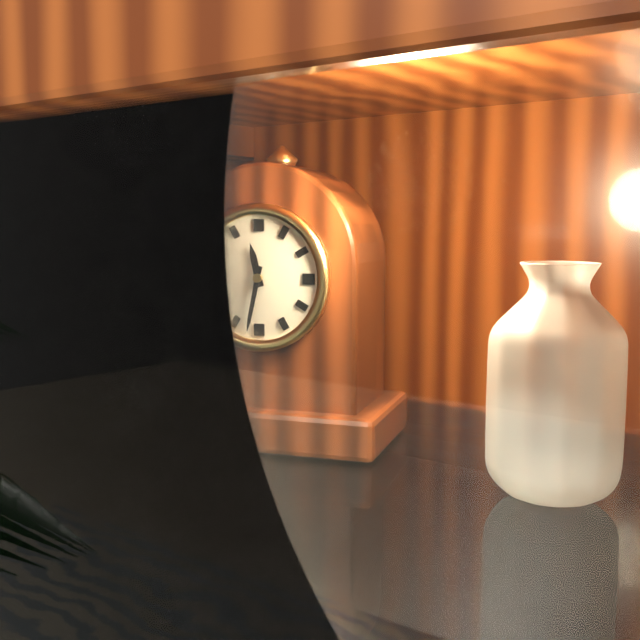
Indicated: 11 h 32 min
